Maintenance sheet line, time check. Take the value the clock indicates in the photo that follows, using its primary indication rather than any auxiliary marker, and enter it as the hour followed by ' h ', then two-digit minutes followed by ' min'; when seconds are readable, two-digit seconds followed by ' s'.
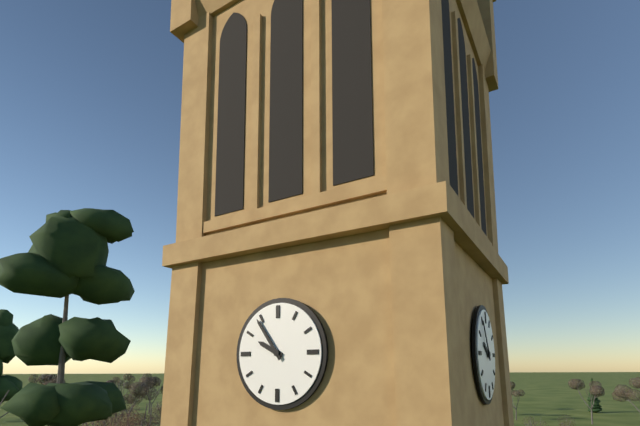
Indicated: 9 h 54 min
